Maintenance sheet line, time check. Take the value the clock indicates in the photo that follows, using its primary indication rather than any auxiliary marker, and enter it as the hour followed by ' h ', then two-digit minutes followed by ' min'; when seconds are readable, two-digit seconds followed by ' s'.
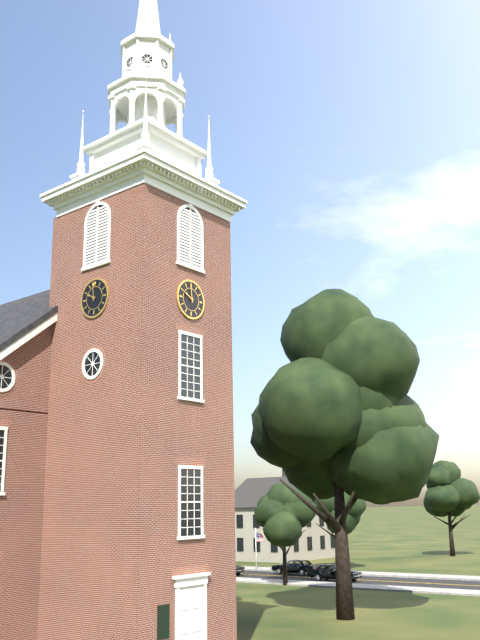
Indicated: 9 h 59 min
